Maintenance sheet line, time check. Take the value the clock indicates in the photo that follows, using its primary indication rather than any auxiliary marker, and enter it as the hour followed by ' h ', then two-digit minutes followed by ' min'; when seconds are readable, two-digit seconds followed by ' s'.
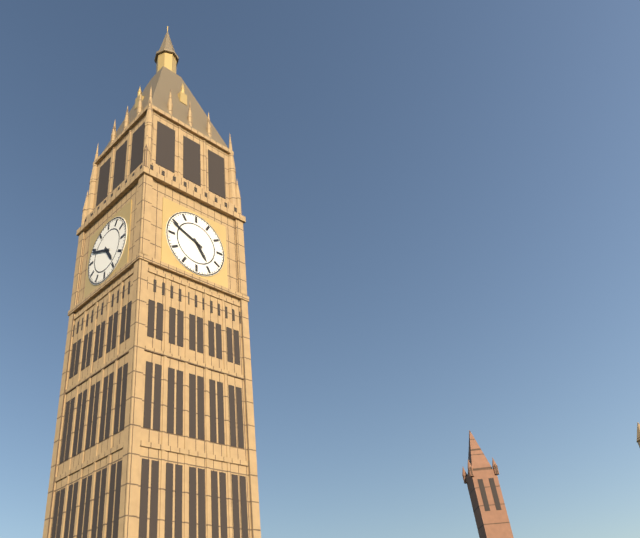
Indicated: 4 h 49 min
